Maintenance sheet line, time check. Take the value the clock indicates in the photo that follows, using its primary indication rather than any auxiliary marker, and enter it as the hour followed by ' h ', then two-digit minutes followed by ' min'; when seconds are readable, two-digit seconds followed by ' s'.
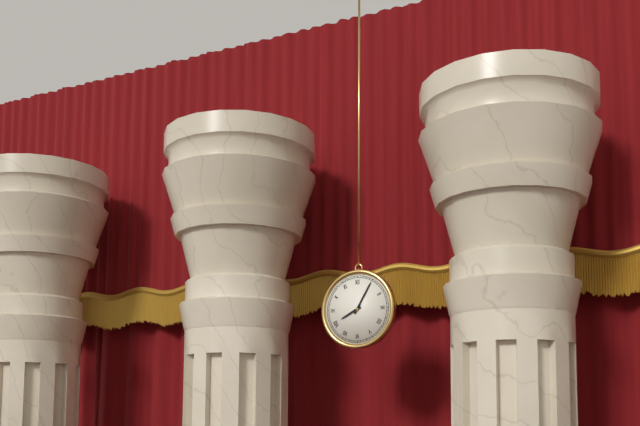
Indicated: 8 h 05 min
